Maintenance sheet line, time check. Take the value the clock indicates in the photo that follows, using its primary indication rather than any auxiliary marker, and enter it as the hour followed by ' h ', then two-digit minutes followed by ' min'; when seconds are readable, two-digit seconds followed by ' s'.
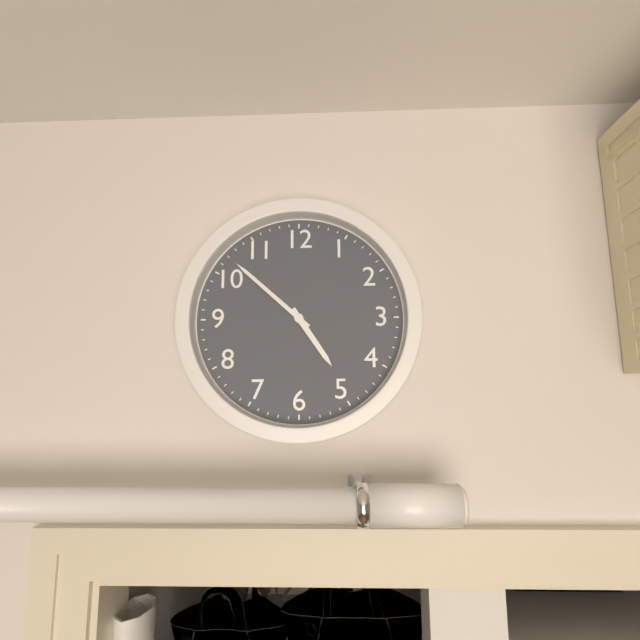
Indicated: 4 h 52 min
